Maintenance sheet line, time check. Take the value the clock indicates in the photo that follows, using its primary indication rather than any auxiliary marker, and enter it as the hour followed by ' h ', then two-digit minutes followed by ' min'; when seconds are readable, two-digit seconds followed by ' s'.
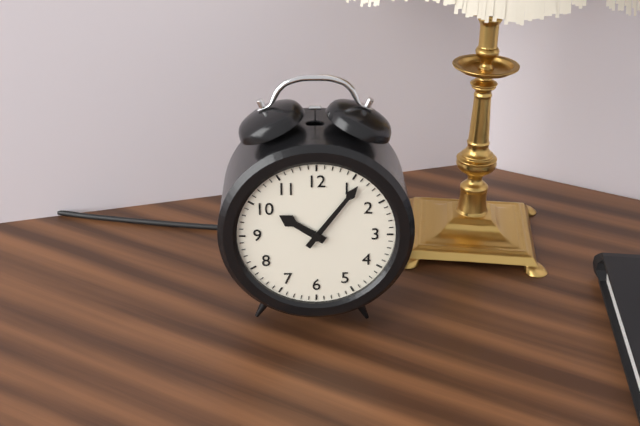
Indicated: 10 h 06 min
